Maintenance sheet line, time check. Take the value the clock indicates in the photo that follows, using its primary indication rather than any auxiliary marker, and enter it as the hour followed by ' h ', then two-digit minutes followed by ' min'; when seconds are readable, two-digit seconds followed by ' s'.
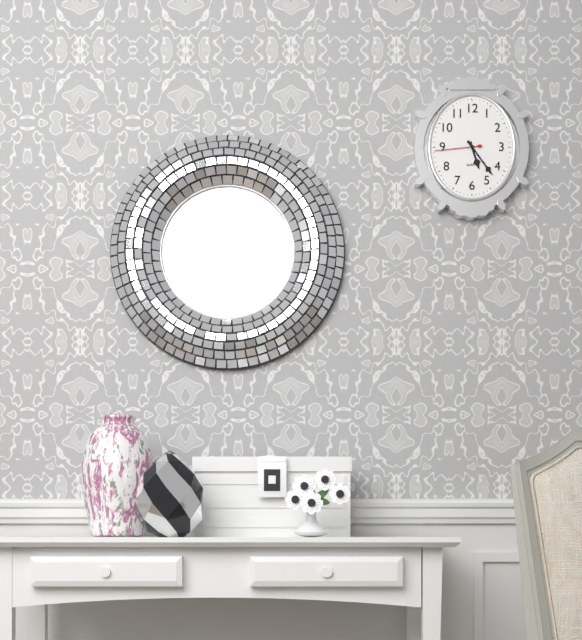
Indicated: 5 h 24 min
